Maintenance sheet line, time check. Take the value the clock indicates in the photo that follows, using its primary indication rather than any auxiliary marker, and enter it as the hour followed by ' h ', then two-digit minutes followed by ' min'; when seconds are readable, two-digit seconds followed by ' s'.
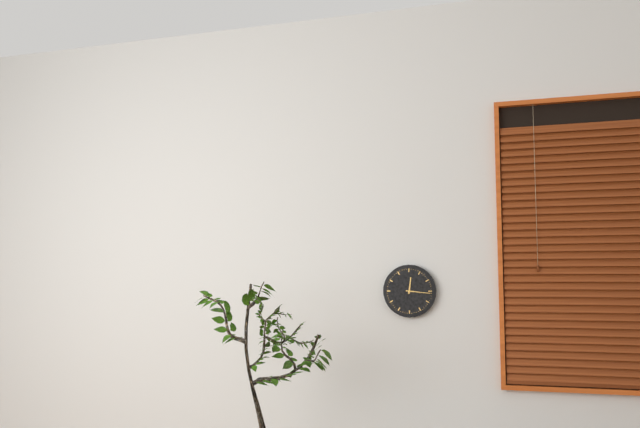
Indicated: 12 h 16 min
